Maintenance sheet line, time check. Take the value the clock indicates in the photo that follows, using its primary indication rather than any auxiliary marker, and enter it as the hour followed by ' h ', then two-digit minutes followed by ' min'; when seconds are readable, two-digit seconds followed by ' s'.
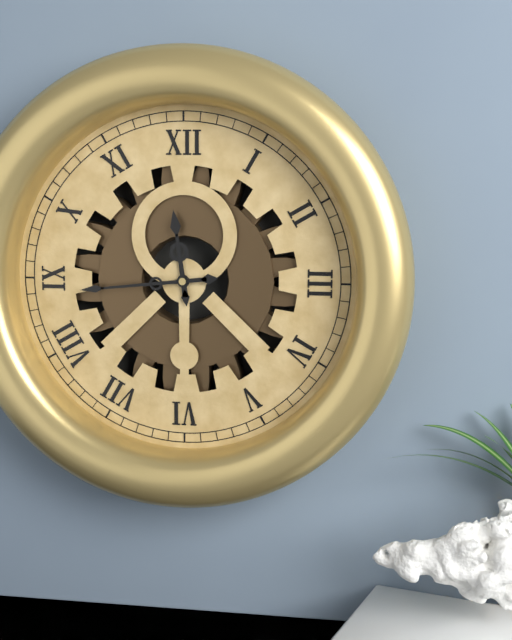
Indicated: 11 h 44 min
